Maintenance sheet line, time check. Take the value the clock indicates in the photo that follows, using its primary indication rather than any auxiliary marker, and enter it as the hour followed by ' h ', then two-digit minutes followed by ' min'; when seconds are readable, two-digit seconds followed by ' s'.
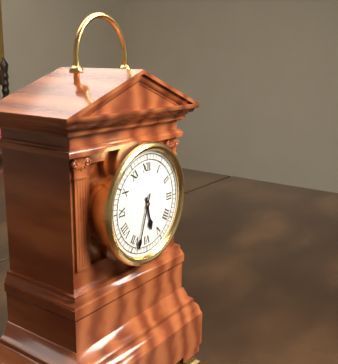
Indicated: 5 h 33 min
